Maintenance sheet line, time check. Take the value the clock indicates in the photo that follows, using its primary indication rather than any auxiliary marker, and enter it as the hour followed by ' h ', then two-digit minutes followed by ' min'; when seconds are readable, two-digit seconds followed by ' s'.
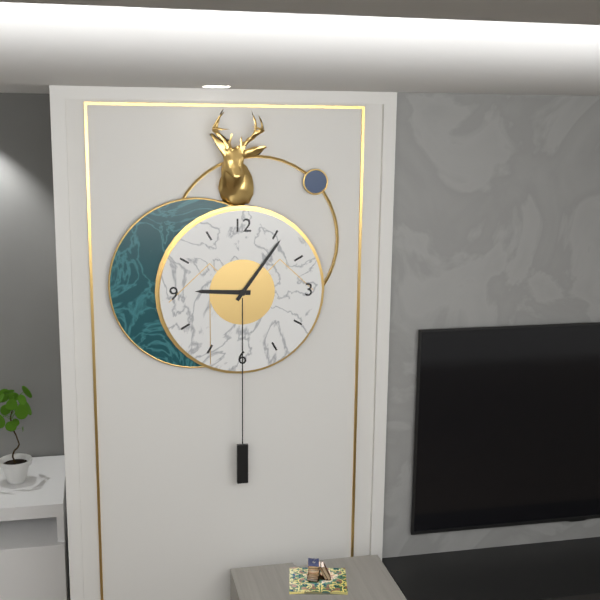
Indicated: 9 h 06 min
